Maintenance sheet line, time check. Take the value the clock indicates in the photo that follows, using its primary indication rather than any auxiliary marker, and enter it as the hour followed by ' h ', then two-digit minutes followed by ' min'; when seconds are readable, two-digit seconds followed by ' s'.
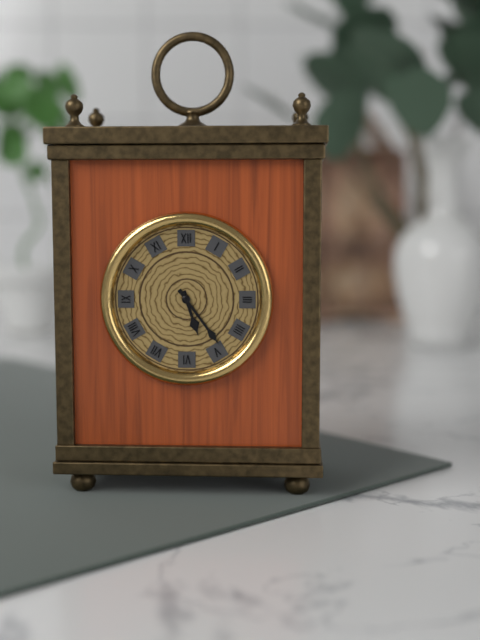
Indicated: 5 h 24 min
